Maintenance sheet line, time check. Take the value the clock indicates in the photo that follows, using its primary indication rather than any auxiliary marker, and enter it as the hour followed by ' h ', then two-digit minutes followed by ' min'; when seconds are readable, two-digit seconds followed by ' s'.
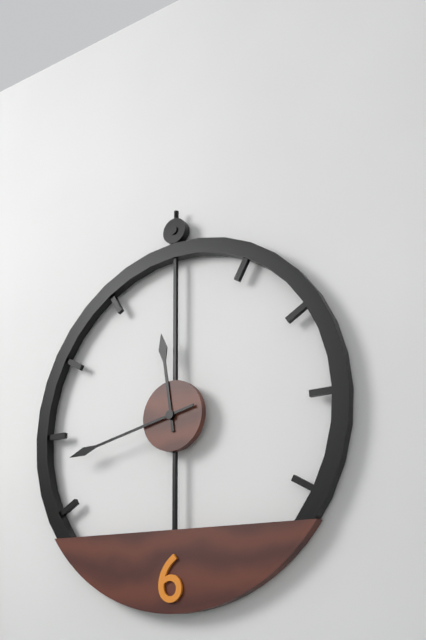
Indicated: 11 h 43 min
